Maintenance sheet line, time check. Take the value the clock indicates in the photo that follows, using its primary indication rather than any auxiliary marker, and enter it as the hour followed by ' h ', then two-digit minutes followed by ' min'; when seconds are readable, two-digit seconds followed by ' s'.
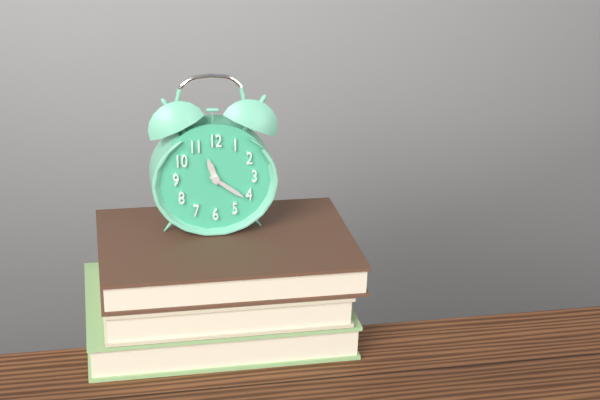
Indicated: 11 h 21 min
